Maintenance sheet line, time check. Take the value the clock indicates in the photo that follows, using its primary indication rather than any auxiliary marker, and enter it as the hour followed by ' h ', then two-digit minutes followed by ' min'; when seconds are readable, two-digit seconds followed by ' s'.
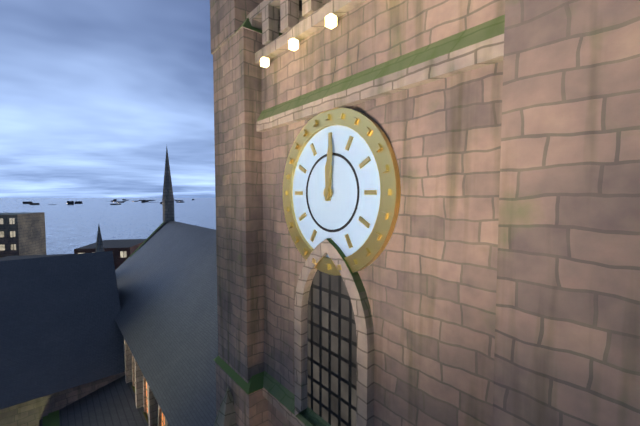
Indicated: 12 h 01 min
